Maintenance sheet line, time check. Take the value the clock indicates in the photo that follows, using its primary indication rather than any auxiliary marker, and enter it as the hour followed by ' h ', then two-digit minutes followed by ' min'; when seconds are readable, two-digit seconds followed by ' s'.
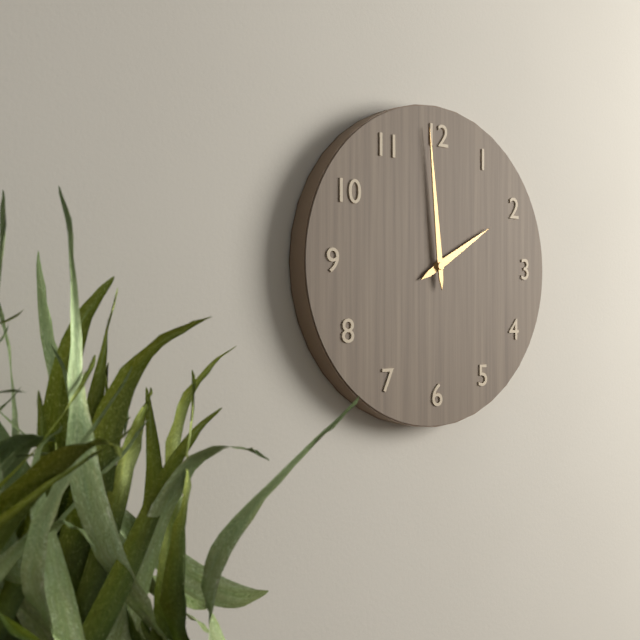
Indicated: 1 h 59 min
